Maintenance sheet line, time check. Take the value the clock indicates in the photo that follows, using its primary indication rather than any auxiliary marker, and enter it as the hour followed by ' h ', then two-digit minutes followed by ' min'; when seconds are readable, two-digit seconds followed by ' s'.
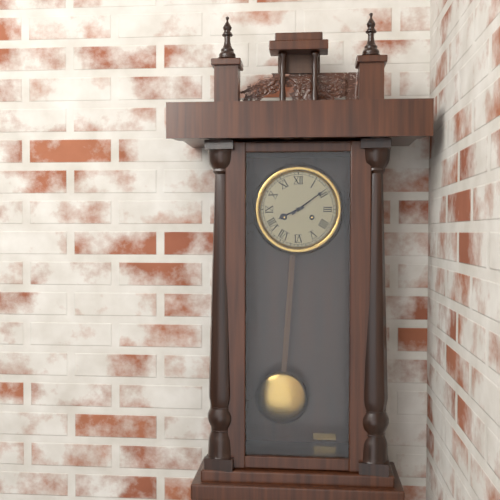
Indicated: 8 h 09 min
